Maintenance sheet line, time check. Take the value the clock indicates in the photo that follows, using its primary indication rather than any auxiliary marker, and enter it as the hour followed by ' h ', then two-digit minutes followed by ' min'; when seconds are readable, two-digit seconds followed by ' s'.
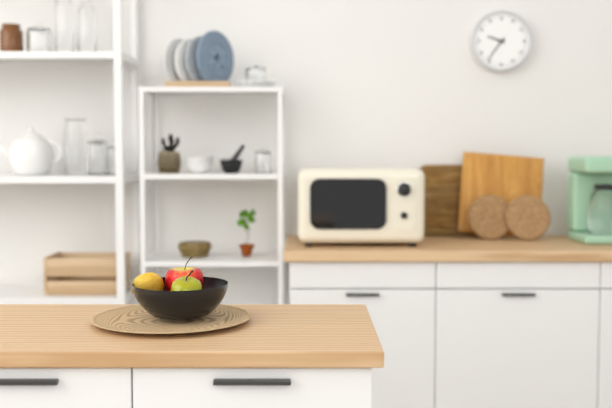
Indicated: 9 h 36 min
